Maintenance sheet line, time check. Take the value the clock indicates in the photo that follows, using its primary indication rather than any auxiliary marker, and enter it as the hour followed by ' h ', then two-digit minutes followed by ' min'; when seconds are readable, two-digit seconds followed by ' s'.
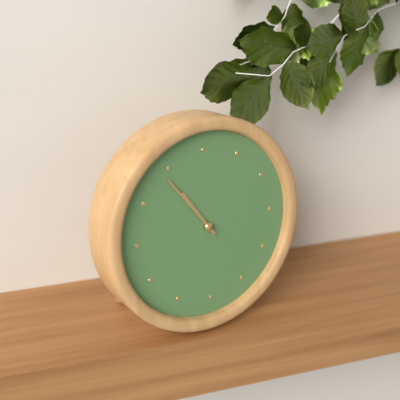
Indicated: 10 h 54 min
